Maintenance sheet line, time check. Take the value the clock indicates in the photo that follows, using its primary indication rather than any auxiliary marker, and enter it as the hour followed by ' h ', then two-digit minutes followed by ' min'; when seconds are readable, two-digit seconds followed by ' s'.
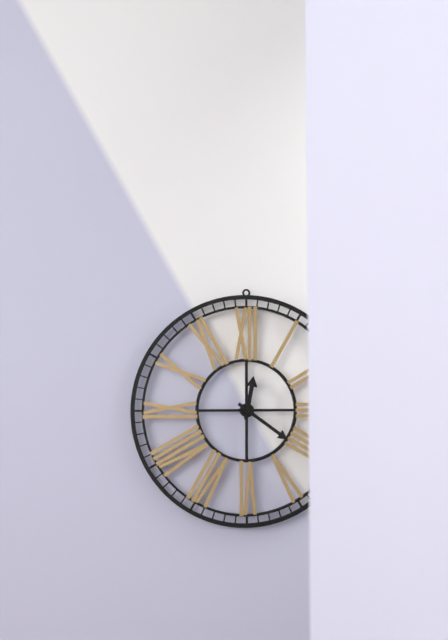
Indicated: 12 h 21 min
